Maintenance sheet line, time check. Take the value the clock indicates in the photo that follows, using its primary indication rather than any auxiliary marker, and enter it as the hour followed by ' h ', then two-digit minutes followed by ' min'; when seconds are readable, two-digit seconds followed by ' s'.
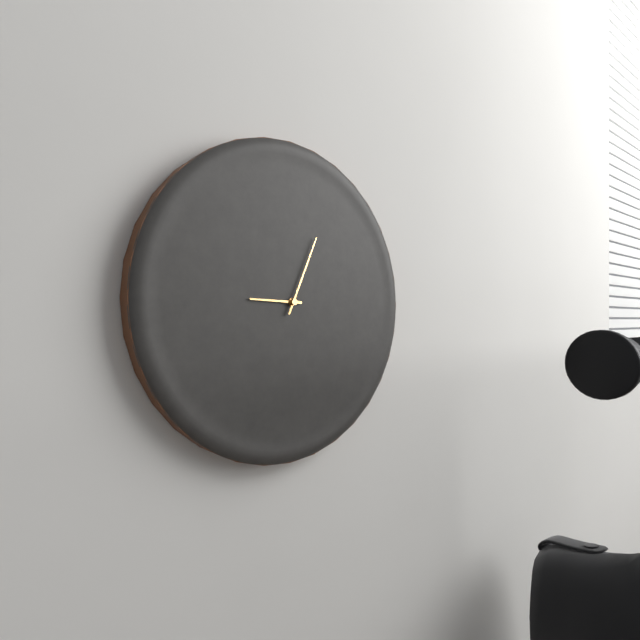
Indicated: 9 h 04 min
